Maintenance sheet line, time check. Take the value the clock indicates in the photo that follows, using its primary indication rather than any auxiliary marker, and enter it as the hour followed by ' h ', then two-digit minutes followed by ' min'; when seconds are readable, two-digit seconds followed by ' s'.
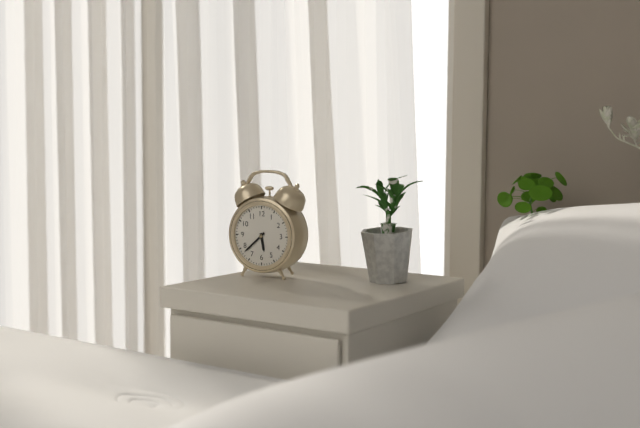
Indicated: 5 h 38 min
